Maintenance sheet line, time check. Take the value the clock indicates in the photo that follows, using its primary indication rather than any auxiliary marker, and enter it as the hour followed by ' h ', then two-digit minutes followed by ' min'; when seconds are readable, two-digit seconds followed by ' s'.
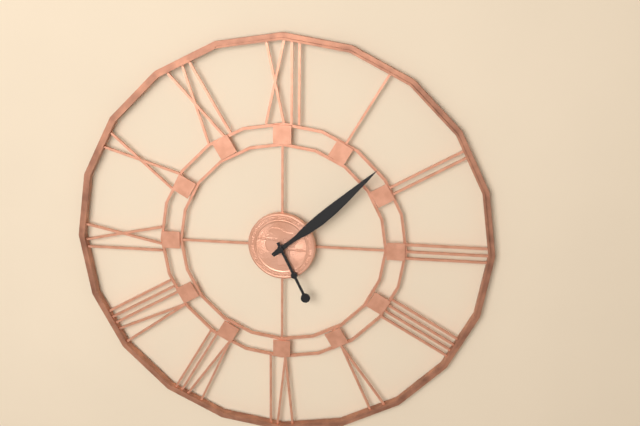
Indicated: 5 h 08 min
